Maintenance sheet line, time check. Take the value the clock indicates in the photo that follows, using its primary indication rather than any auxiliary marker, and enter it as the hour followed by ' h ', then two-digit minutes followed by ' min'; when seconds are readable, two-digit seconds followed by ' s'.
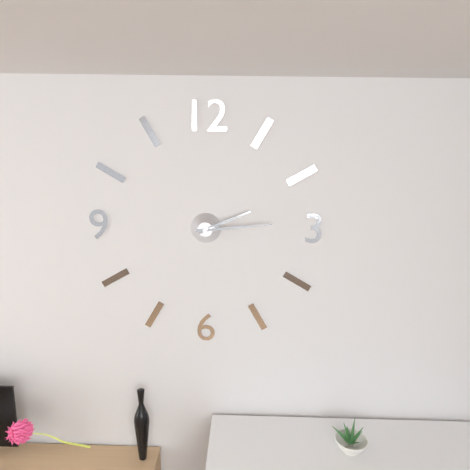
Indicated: 2 h 14 min
